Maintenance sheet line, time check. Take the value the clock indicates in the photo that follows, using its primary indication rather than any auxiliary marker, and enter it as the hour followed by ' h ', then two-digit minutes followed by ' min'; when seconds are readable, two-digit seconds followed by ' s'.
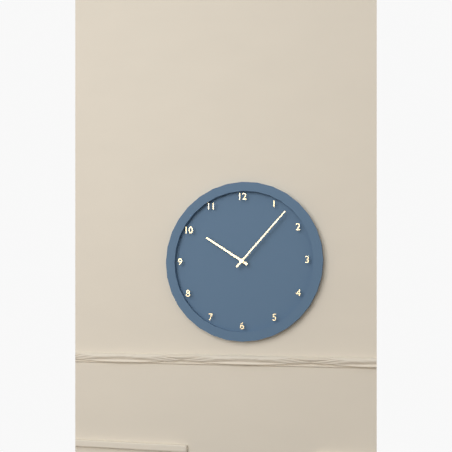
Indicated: 10 h 07 min
